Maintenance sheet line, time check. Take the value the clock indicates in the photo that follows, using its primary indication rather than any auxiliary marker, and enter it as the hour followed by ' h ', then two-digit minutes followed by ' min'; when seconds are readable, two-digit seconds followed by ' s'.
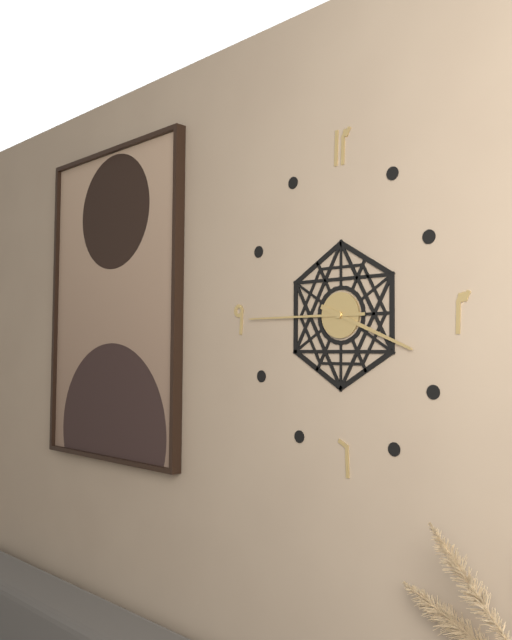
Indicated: 3 h 45 min
